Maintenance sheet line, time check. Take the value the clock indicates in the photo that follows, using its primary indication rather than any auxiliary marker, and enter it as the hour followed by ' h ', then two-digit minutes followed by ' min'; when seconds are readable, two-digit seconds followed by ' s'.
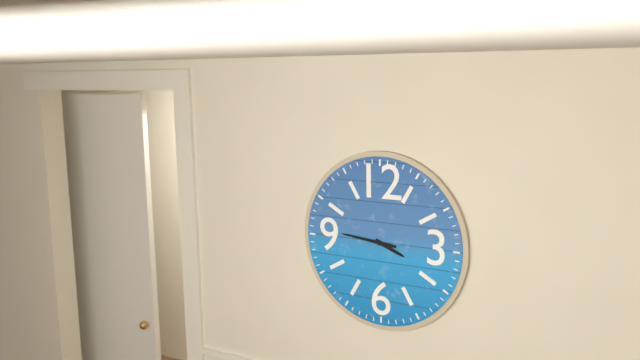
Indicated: 3 h 46 min
